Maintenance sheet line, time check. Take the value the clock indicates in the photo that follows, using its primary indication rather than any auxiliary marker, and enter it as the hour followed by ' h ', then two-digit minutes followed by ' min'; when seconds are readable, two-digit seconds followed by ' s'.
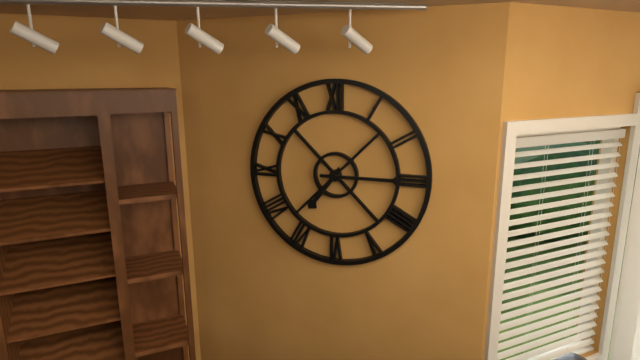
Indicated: 7 h 15 min
